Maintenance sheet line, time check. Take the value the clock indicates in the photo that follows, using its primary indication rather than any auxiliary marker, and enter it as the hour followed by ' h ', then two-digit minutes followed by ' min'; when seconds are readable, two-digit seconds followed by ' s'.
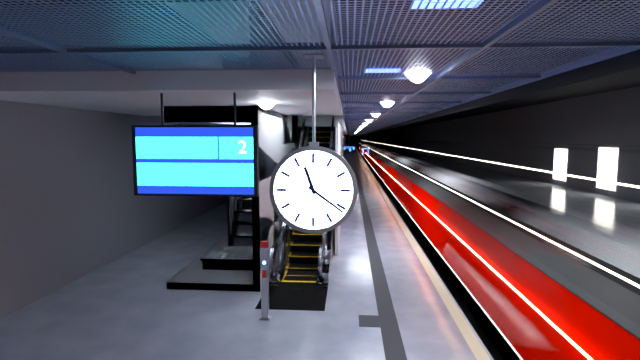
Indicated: 11 h 21 min
